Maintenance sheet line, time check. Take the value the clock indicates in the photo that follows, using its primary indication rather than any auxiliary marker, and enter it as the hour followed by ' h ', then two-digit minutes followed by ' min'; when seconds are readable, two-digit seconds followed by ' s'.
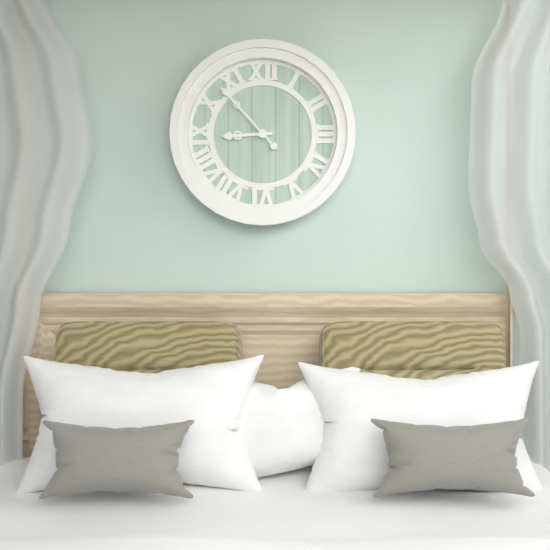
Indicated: 8 h 53 min
